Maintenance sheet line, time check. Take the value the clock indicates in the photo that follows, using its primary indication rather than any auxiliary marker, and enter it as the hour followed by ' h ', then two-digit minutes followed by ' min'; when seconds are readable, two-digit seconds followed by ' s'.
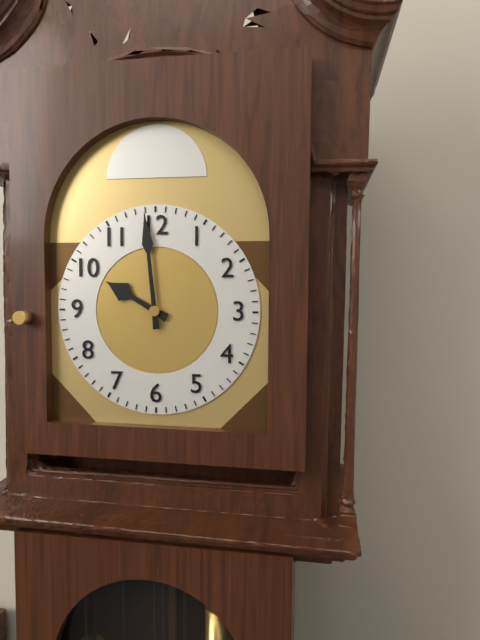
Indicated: 9 h 59 min
